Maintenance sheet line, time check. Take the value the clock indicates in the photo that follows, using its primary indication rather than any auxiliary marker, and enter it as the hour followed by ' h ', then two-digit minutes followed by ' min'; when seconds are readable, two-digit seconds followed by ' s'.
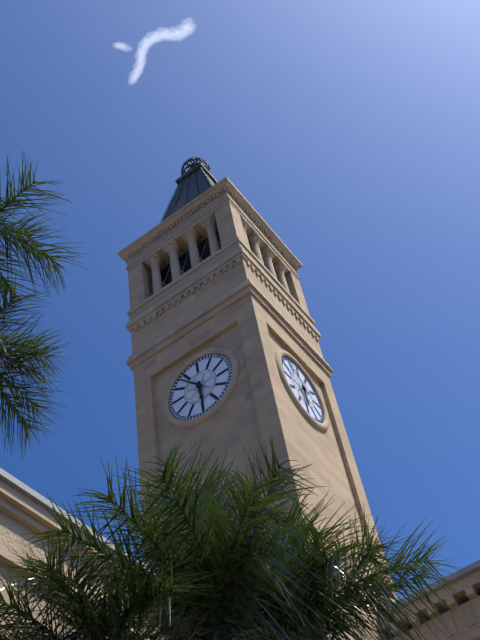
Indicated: 5 h 53 min
